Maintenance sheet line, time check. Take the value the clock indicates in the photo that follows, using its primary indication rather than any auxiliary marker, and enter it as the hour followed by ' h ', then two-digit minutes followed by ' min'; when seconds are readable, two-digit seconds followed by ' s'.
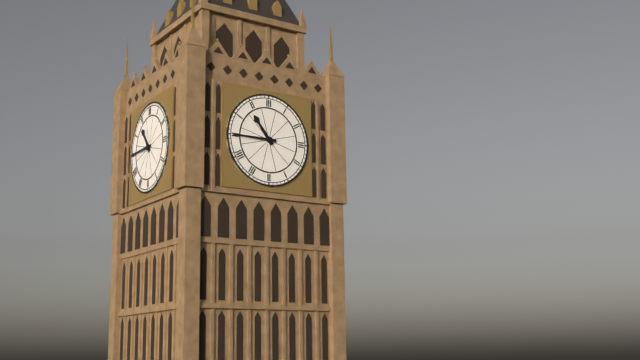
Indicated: 10 h 45 min
